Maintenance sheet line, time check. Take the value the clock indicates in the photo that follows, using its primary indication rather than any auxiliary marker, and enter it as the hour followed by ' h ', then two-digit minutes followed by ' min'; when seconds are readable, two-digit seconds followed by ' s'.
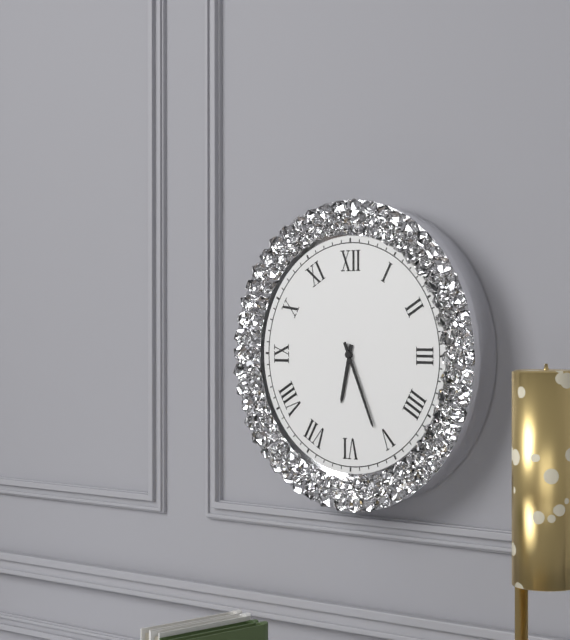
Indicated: 6 h 26 min
